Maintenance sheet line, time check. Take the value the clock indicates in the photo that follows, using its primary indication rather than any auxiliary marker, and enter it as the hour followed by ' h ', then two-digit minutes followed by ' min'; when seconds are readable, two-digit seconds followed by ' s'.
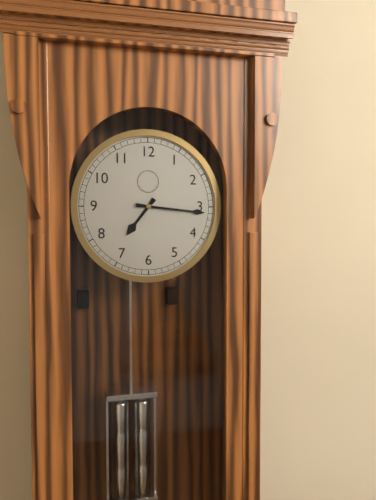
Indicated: 7 h 16 min
